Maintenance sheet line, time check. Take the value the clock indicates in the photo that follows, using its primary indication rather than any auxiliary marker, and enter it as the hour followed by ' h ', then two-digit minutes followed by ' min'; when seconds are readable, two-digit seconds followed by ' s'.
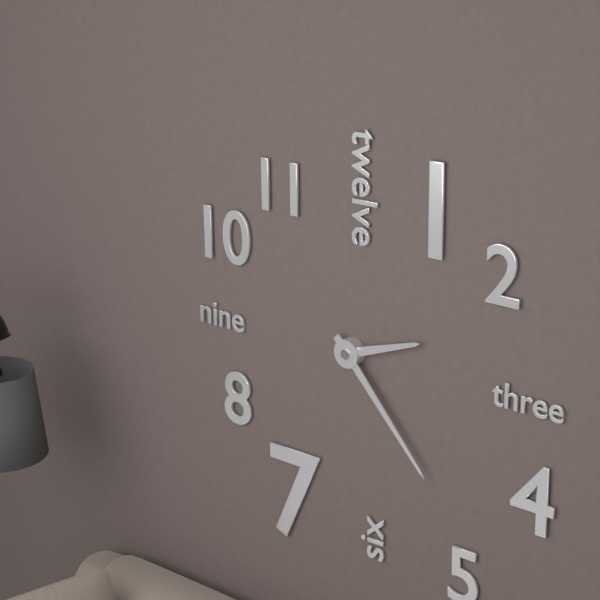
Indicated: 2 h 23 min
